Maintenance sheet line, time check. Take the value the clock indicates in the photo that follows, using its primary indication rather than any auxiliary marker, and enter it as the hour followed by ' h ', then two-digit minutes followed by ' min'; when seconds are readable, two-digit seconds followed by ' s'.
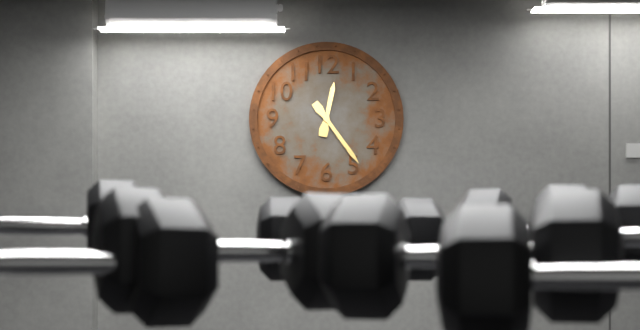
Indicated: 12 h 24 min
